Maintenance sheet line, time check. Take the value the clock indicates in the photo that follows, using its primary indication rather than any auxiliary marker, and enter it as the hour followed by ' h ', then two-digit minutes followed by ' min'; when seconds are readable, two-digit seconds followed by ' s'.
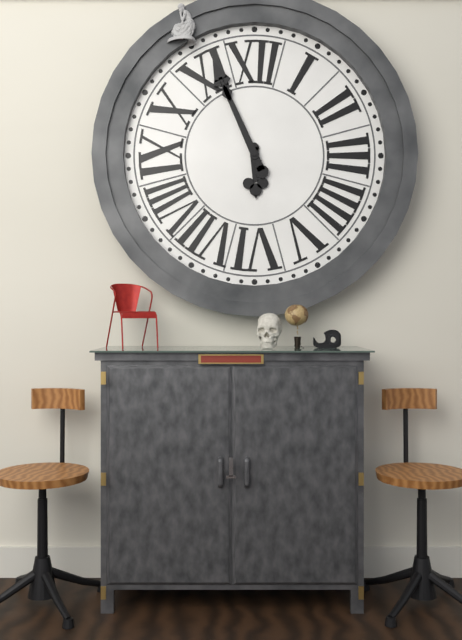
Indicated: 5 h 56 min
